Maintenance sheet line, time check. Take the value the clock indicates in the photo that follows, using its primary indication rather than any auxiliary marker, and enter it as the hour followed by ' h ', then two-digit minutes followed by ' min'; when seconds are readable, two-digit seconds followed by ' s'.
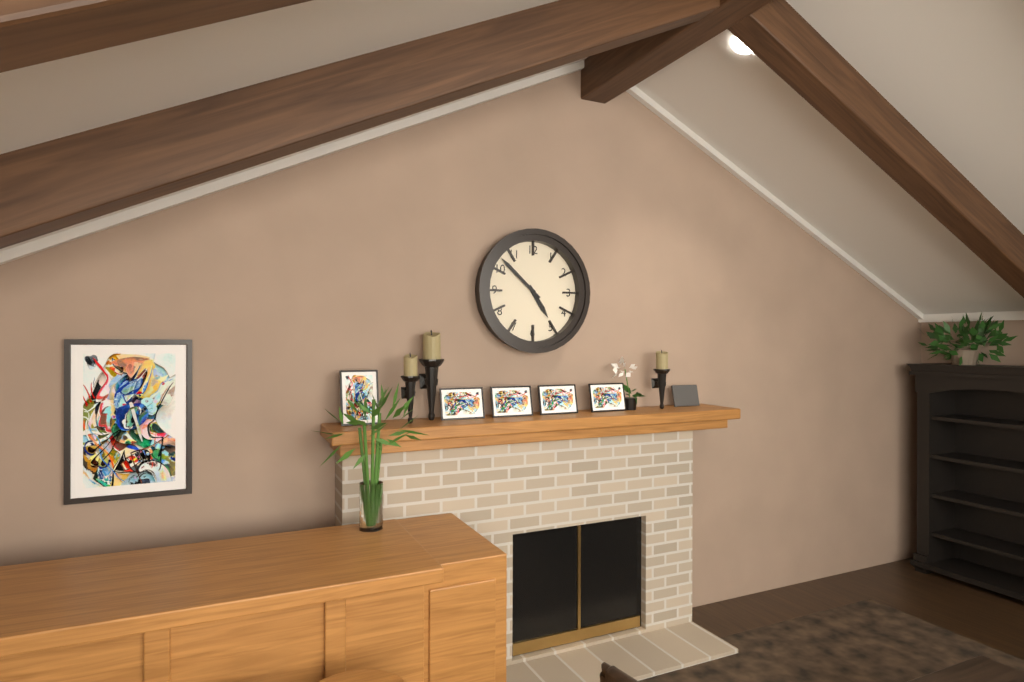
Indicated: 4 h 52 min
